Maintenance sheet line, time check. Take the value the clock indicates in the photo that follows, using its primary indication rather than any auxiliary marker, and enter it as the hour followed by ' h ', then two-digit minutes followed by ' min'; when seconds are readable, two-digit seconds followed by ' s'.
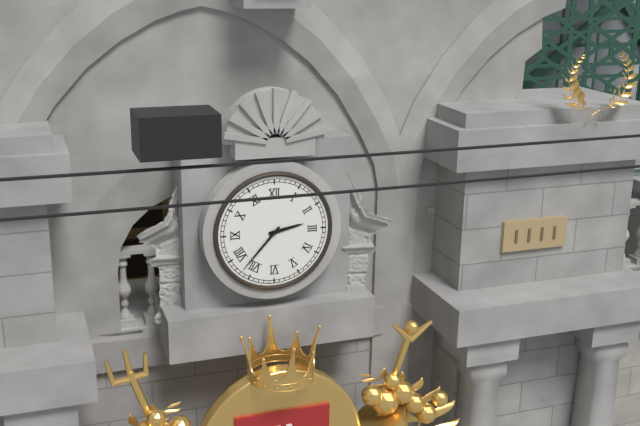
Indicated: 2 h 37 min
